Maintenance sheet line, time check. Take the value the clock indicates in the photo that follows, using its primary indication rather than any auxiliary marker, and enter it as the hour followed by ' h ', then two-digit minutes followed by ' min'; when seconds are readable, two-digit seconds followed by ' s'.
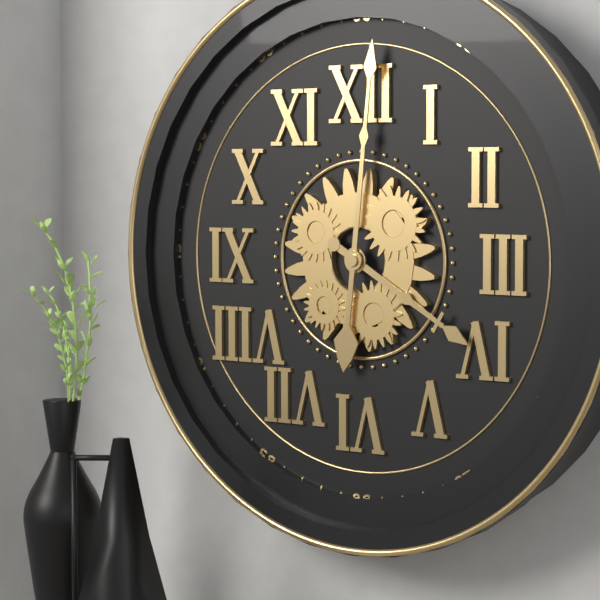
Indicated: 4 h 01 min
